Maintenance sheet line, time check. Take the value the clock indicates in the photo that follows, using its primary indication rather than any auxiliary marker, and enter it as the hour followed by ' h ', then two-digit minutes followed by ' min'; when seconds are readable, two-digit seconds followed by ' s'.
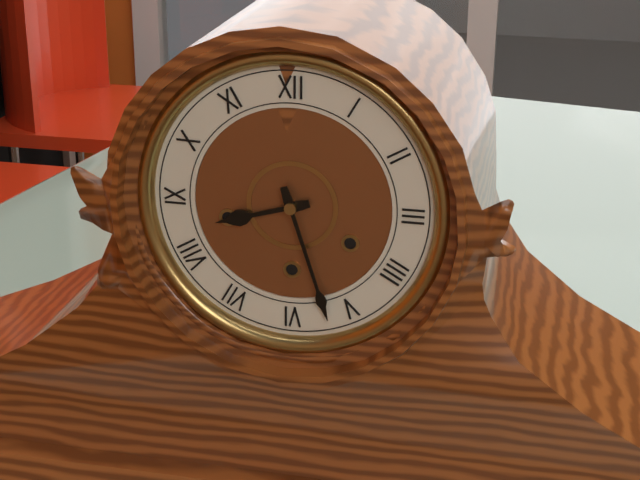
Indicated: 8 h 27 min
